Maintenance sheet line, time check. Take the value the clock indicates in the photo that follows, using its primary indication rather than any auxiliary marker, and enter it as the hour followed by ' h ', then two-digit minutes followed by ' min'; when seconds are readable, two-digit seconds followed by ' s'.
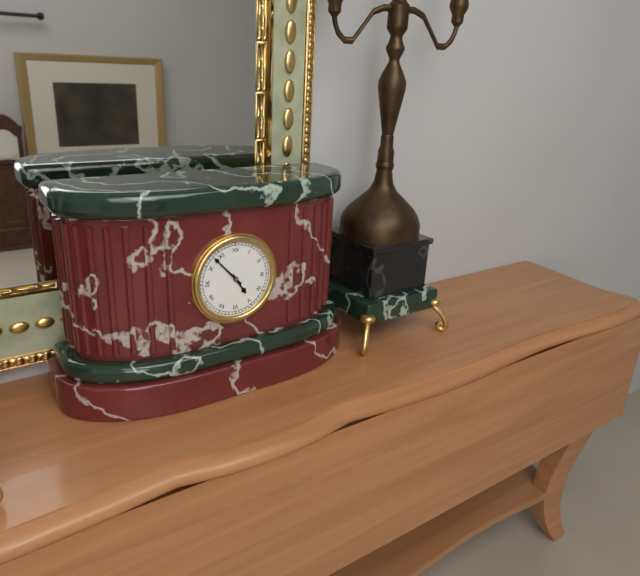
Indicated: 4 h 53 min
